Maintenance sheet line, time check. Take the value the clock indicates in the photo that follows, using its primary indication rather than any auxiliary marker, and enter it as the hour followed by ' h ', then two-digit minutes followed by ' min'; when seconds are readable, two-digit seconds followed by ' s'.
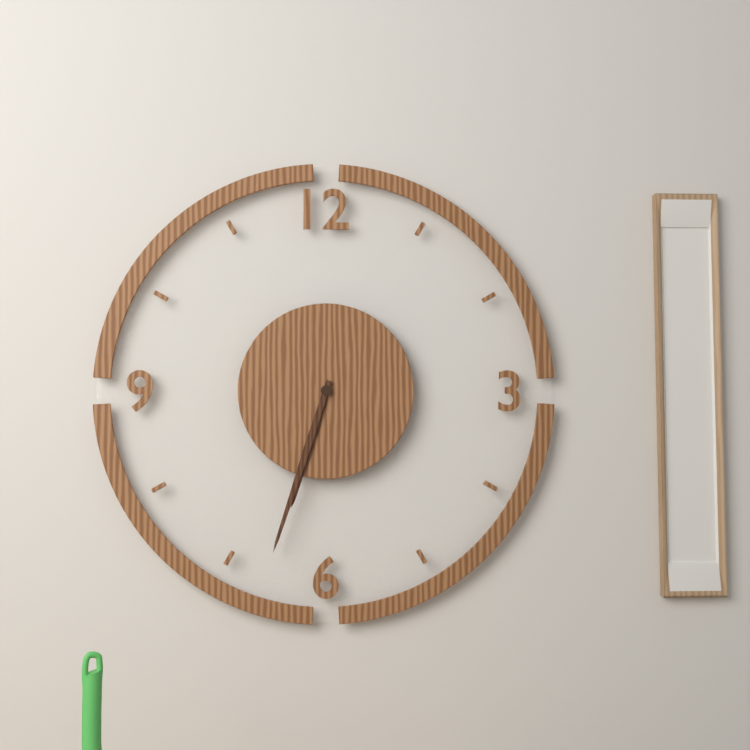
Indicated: 6 h 33 min
